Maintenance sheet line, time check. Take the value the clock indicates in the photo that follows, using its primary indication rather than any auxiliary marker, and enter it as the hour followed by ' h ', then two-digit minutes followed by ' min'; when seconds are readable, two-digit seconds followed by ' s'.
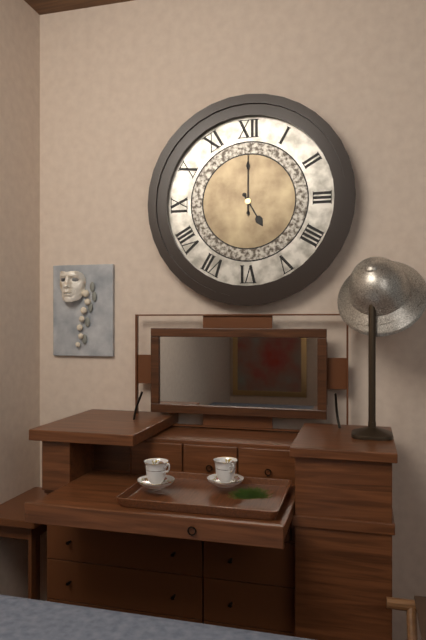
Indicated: 5 h 00 min
